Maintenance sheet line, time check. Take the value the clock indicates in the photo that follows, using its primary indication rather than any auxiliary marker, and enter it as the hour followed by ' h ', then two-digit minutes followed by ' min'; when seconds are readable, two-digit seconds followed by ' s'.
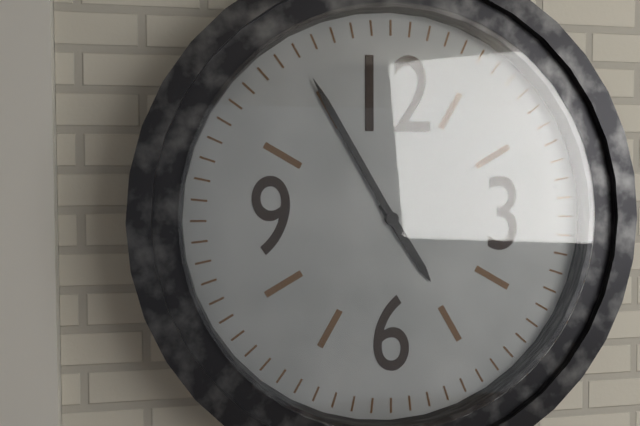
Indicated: 4 h 55 min
